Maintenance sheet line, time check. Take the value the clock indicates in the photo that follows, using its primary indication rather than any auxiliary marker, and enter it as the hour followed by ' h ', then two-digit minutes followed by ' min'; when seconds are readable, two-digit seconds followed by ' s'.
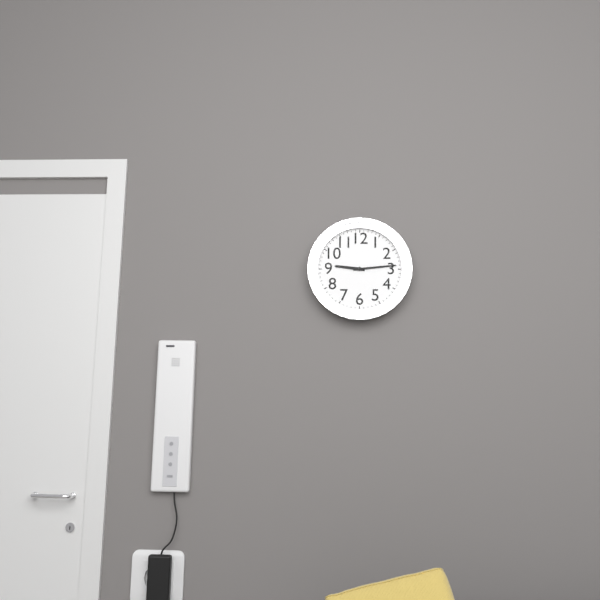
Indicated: 9 h 14 min
